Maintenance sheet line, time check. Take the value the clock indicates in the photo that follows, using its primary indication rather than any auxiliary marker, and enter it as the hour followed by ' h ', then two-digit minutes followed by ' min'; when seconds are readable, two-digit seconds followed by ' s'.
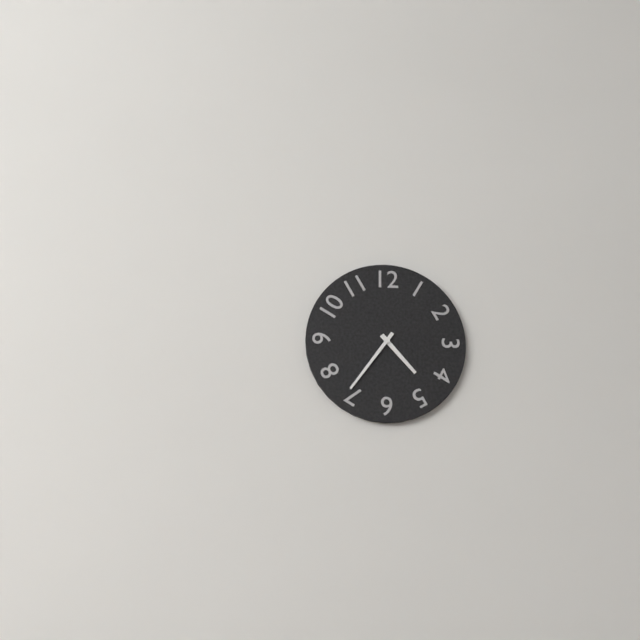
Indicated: 4 h 36 min
